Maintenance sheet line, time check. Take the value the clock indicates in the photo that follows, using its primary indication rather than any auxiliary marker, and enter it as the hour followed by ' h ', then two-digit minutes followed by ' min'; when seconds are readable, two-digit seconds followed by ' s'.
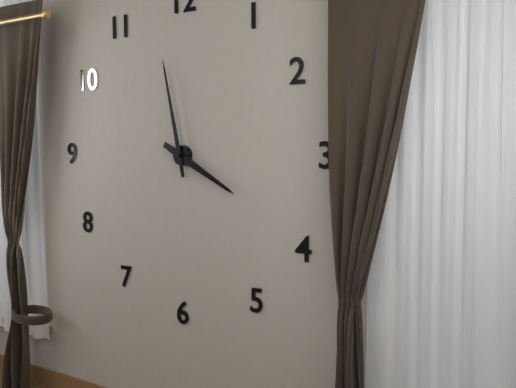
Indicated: 3 h 58 min
